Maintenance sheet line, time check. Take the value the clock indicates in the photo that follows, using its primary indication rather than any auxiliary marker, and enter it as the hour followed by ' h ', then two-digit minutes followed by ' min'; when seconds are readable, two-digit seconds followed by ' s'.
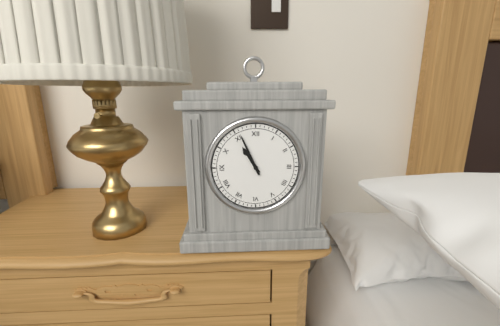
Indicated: 10 h 56 min
